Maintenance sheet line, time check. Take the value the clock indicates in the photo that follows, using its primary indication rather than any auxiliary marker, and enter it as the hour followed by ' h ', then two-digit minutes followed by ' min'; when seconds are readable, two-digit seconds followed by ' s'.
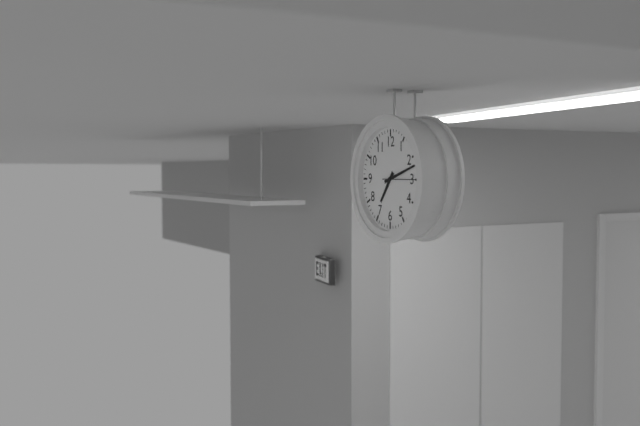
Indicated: 7 h 12 min
